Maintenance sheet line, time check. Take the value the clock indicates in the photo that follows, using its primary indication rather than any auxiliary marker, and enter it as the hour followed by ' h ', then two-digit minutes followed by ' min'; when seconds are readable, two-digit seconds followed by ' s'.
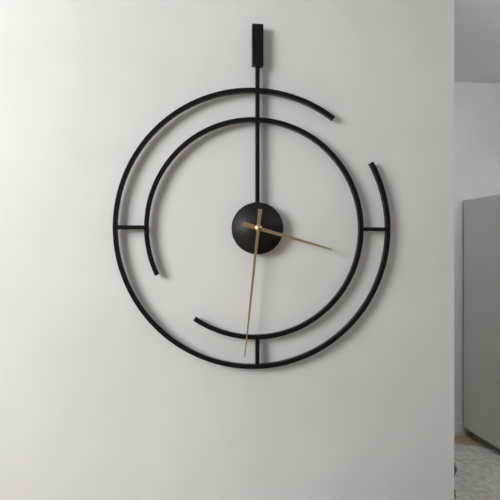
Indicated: 3 h 31 min
